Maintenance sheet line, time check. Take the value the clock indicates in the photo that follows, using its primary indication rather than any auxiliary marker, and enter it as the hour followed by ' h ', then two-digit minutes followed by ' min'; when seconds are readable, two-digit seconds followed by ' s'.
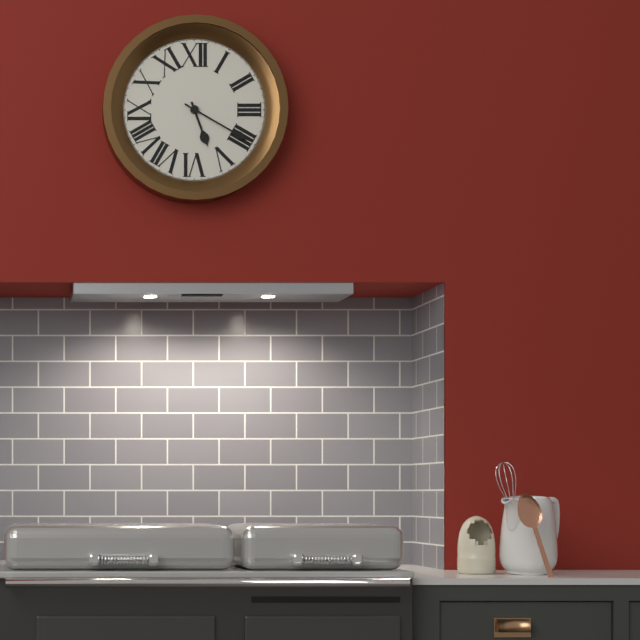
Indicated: 5 h 20 min
